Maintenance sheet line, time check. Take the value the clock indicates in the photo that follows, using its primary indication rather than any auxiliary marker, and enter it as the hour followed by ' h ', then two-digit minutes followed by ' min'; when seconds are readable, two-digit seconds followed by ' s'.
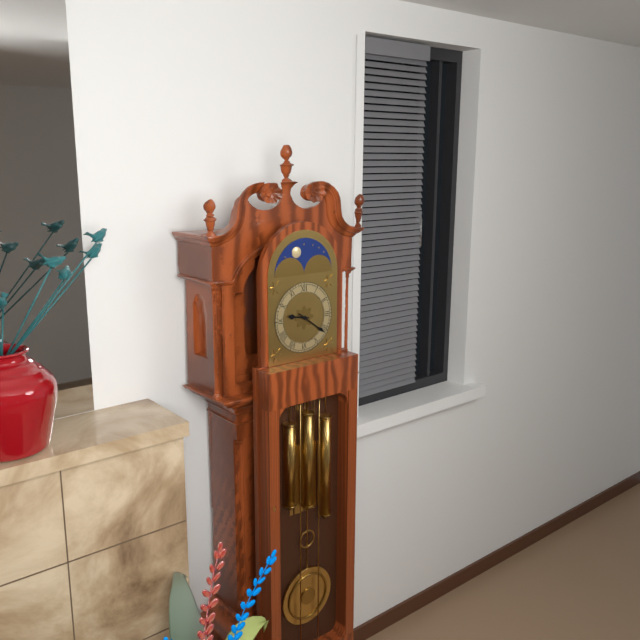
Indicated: 9 h 21 min
